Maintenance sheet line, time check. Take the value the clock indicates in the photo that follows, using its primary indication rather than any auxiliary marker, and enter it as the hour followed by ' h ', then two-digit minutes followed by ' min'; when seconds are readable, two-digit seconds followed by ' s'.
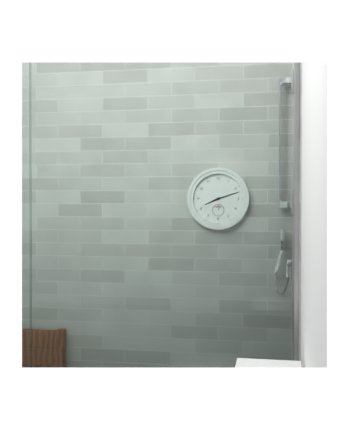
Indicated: 8 h 12 min
